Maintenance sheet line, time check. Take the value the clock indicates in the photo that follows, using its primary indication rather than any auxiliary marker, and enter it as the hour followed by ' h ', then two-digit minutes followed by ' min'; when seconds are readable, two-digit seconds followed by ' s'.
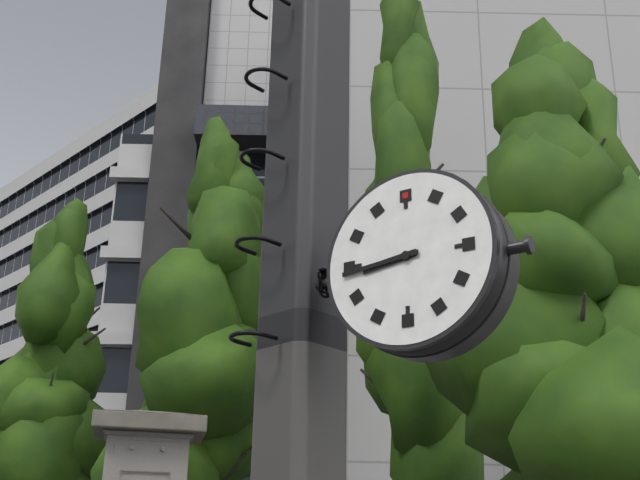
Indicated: 8 h 44 min
